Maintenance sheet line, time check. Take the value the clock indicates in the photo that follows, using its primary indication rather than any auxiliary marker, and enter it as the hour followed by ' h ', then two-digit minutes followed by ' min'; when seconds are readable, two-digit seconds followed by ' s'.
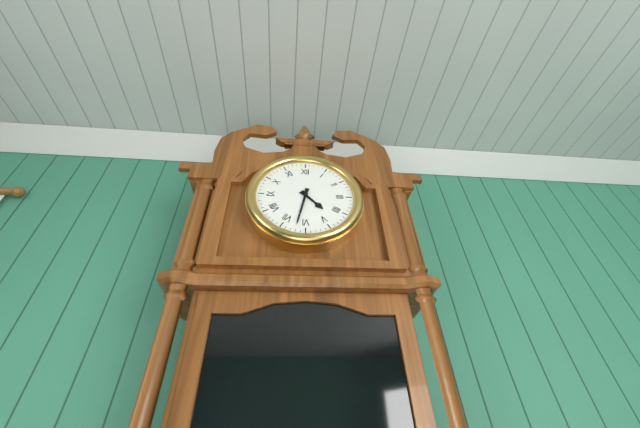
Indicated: 4 h 32 min
